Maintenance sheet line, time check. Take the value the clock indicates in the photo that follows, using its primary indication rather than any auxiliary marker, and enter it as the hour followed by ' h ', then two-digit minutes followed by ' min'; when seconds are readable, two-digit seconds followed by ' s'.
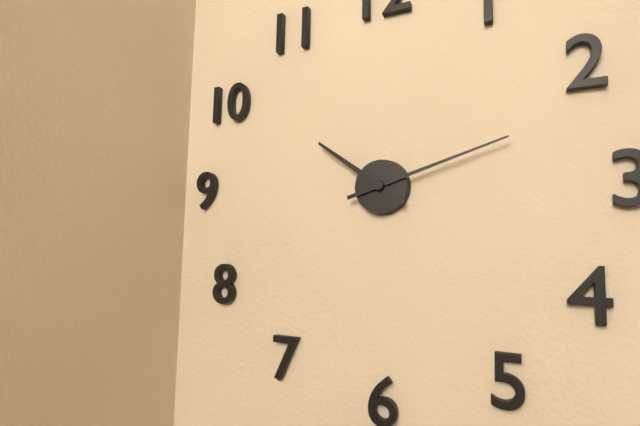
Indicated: 10 h 12 min
